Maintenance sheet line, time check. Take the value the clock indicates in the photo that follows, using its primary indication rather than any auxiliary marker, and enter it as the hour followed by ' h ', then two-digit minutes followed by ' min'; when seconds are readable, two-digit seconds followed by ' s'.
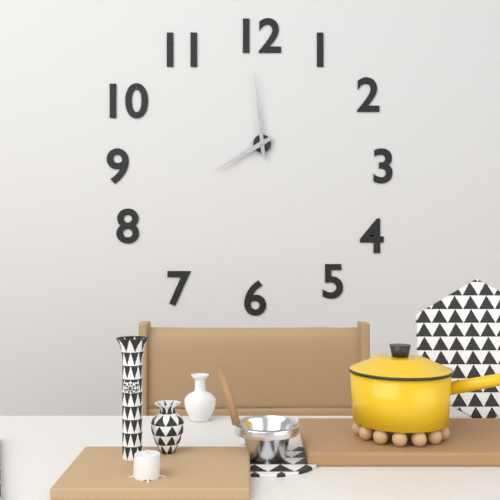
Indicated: 7 h 59 min
